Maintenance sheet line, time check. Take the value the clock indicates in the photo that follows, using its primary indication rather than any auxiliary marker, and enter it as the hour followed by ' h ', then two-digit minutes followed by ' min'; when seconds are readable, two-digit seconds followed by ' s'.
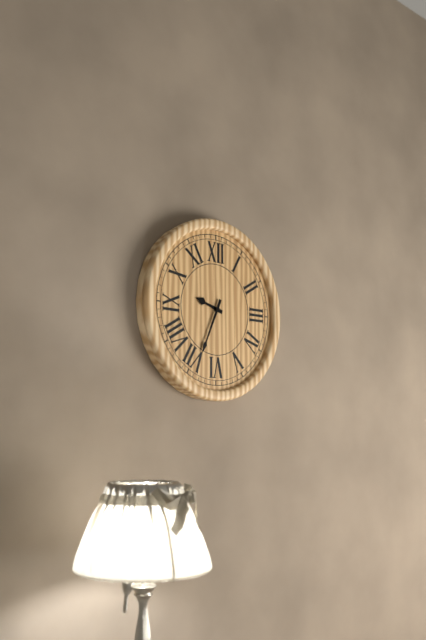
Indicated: 9 h 34 min
